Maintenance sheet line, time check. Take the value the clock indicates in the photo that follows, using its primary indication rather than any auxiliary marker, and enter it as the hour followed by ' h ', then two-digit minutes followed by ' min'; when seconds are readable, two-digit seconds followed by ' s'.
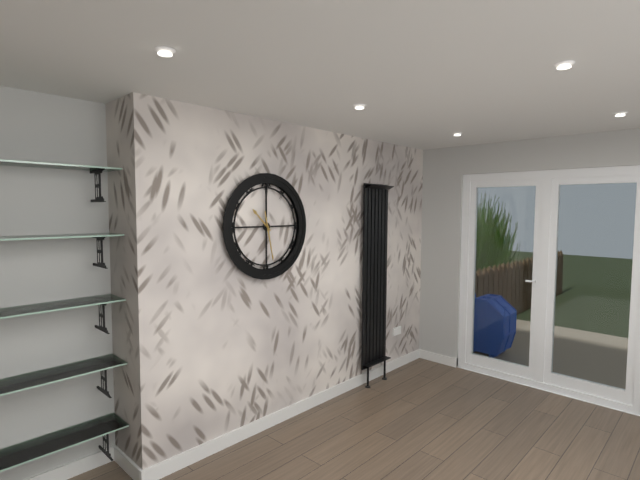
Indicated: 10 h 28 min
